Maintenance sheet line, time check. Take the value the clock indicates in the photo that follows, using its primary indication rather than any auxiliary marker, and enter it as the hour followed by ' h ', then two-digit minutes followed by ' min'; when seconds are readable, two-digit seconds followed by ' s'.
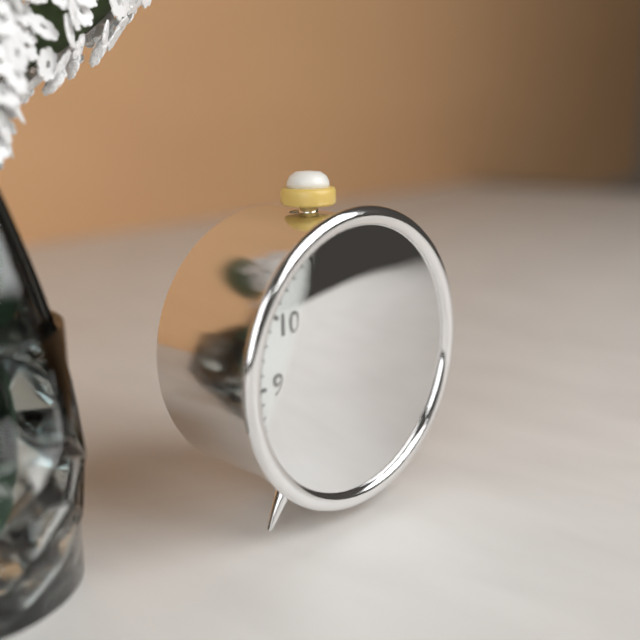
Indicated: 9 h 09 min
